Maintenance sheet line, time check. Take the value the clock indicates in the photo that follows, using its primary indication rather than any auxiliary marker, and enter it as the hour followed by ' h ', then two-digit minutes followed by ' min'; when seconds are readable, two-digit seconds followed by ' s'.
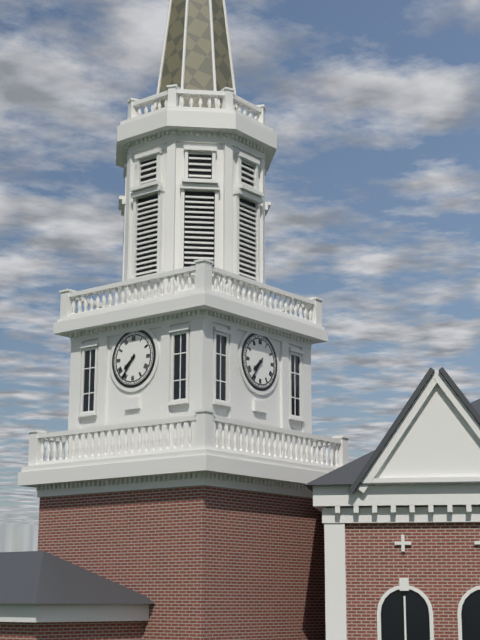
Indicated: 7 h 36 min
